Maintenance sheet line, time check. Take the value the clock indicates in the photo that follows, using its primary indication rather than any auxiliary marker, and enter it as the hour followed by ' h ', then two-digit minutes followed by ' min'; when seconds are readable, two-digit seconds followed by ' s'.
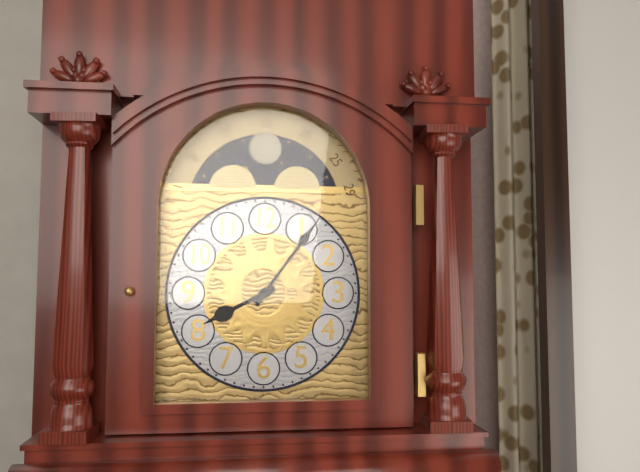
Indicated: 8 h 06 min
